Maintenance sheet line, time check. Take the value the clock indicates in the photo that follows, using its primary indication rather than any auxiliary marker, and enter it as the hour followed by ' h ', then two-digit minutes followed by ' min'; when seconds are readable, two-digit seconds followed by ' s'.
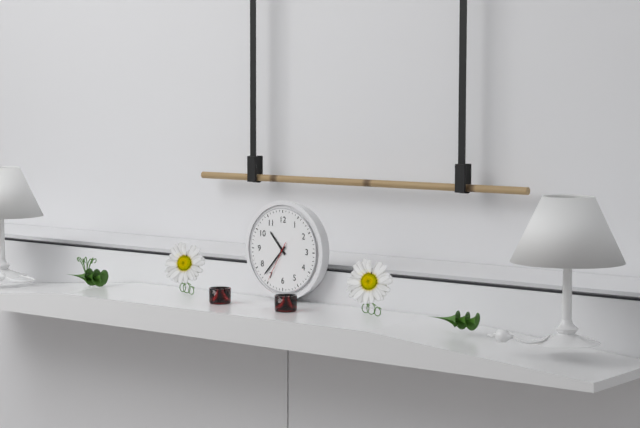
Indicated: 10 h 37 min
